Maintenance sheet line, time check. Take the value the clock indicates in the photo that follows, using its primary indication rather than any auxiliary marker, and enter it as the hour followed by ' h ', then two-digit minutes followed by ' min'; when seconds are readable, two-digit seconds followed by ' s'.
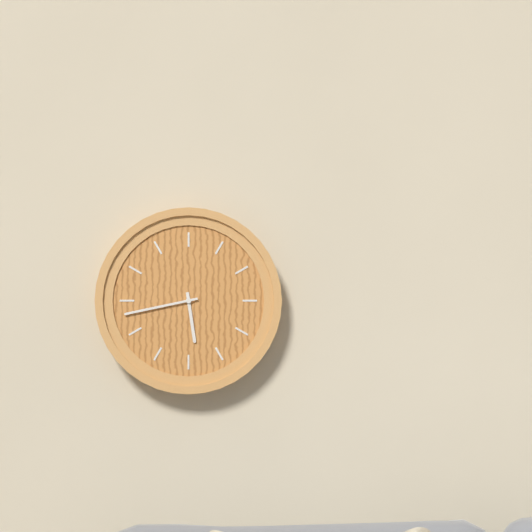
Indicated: 5 h 43 min
